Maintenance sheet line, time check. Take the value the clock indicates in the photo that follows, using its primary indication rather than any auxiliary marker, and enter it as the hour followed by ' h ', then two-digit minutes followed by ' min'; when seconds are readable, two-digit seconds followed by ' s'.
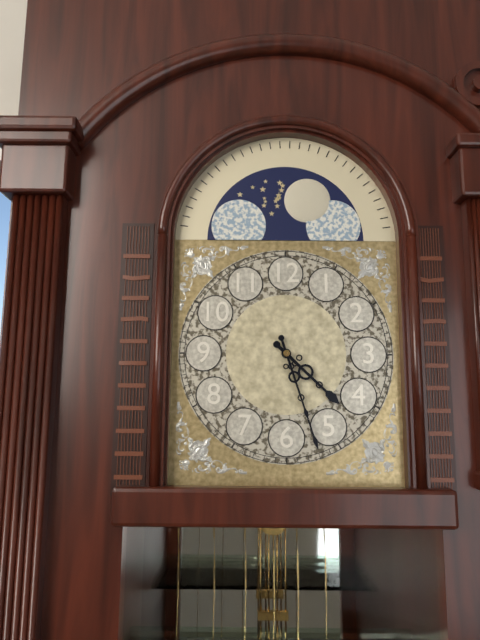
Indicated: 4 h 27 min
